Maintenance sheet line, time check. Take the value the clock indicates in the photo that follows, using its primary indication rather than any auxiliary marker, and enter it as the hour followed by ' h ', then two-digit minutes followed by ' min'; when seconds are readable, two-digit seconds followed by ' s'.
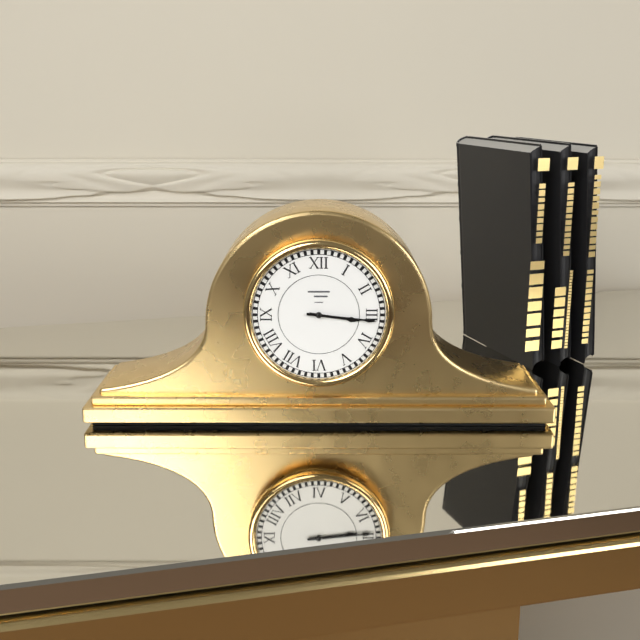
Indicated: 3 h 16 min
